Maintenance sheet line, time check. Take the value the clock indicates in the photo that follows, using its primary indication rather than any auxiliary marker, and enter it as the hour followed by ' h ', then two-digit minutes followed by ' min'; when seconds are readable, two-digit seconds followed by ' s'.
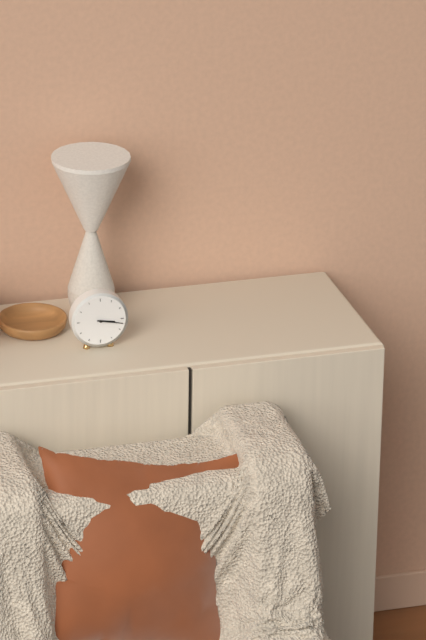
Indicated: 3 h 17 min
